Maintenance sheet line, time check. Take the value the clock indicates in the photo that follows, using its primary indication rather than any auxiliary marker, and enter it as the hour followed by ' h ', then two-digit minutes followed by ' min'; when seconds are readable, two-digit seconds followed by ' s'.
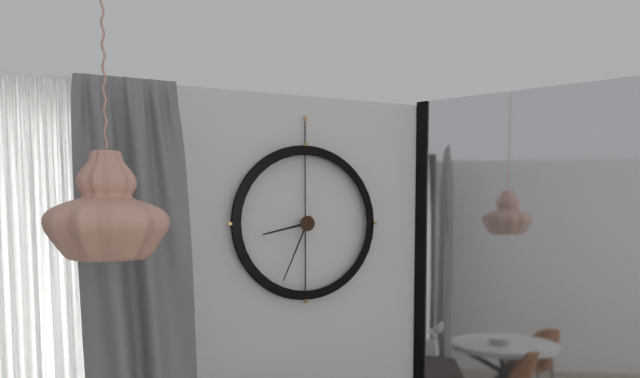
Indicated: 8 h 34 min
